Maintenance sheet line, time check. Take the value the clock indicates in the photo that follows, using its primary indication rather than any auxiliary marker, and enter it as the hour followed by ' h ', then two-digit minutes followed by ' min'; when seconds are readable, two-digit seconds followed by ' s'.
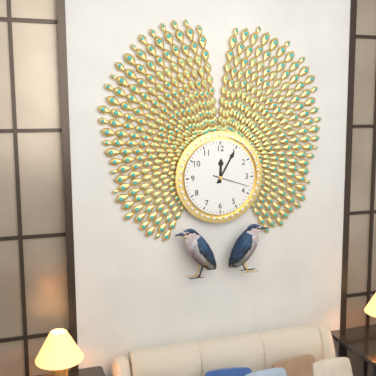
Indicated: 12 h 05 min
